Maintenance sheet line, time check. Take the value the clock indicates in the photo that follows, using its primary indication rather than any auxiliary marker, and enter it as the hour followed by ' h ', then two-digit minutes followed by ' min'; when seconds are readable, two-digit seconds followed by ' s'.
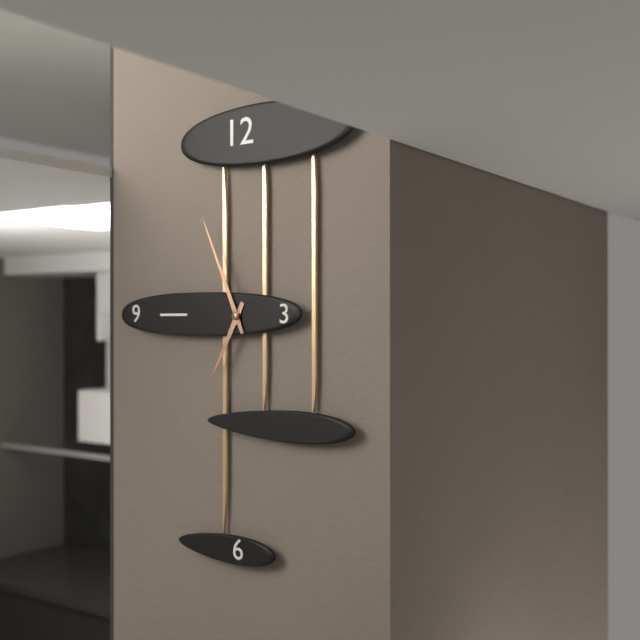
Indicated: 6 h 56 min
